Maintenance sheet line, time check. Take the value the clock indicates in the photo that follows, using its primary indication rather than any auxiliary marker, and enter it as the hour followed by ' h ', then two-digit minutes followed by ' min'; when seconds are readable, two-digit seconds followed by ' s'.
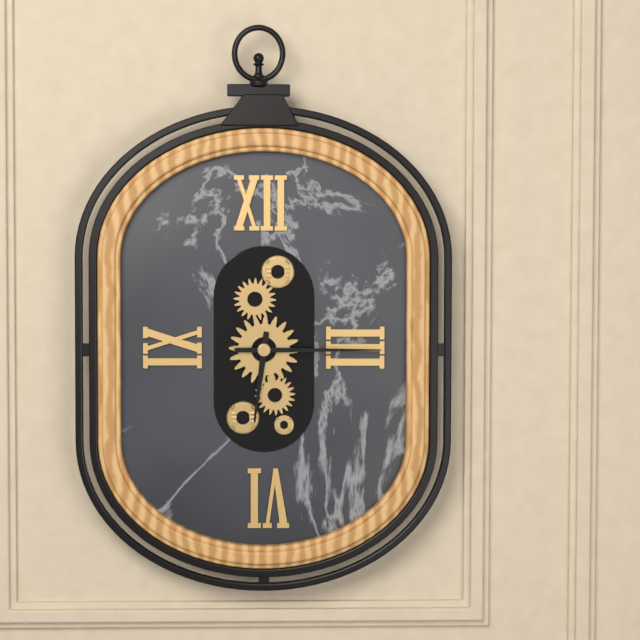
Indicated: 6 h 15 min
